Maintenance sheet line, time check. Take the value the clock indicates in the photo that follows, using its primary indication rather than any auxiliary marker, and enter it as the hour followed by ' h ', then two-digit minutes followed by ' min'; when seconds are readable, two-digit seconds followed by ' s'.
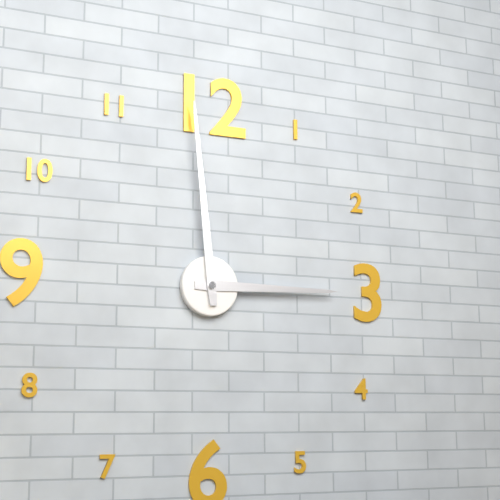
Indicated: 2 h 59 min
